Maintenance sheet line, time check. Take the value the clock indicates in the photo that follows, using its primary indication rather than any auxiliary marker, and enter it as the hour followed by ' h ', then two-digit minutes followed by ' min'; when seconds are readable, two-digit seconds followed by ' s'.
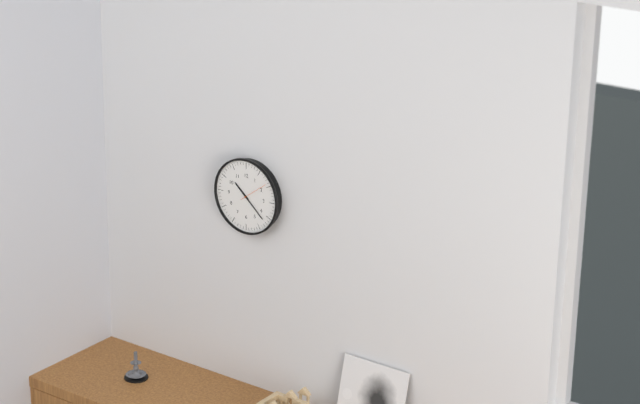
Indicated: 10 h 22 min
